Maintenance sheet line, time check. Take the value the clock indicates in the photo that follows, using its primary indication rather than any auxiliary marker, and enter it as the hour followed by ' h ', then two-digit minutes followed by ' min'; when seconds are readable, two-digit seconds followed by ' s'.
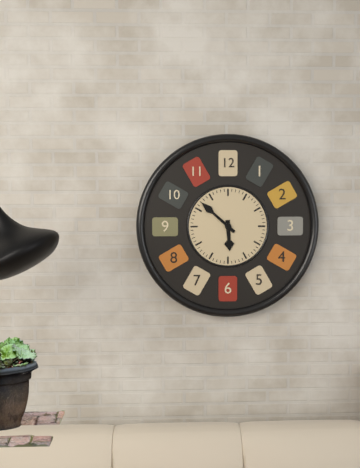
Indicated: 5 h 52 min
